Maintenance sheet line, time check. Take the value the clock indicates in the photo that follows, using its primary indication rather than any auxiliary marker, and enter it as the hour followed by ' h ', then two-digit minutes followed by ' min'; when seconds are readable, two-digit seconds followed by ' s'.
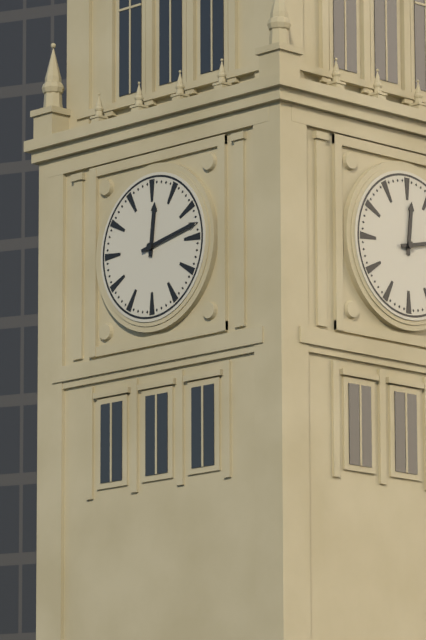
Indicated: 12 h 13 min
